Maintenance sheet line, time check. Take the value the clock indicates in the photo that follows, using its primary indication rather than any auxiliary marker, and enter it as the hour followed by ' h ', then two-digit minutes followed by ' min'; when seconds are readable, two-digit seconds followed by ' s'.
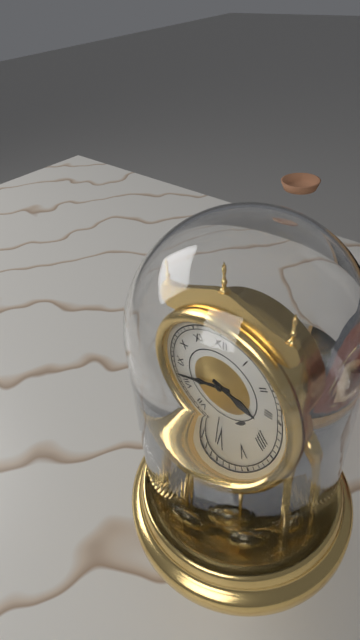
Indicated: 3 h 42 min
